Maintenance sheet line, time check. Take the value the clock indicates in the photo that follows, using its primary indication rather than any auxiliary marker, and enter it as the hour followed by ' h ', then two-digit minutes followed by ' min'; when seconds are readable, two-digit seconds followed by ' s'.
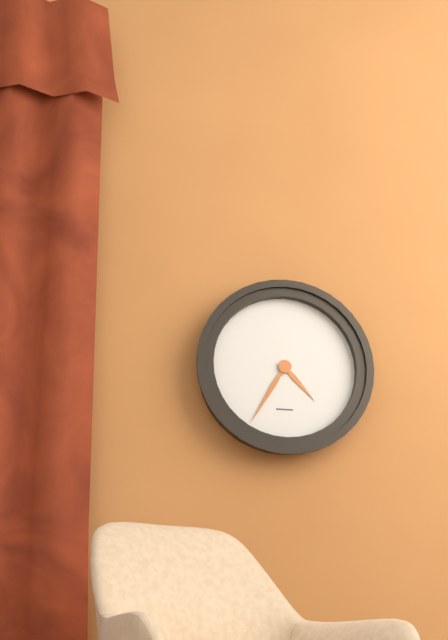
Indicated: 4 h 35 min
